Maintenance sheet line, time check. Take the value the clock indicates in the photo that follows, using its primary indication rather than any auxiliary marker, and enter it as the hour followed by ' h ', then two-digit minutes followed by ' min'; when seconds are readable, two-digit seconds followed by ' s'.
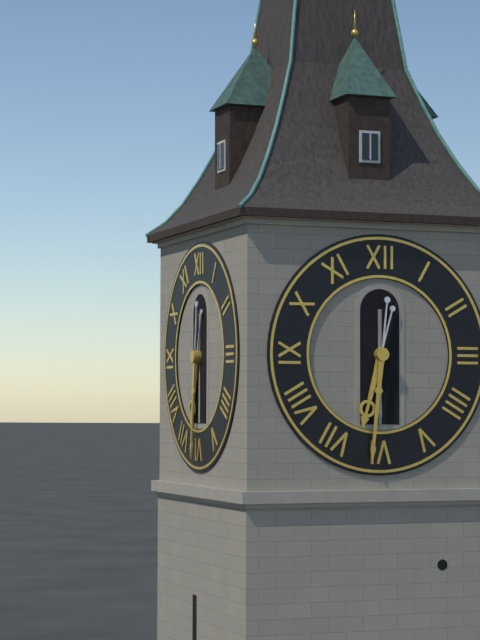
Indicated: 6 h 31 min
